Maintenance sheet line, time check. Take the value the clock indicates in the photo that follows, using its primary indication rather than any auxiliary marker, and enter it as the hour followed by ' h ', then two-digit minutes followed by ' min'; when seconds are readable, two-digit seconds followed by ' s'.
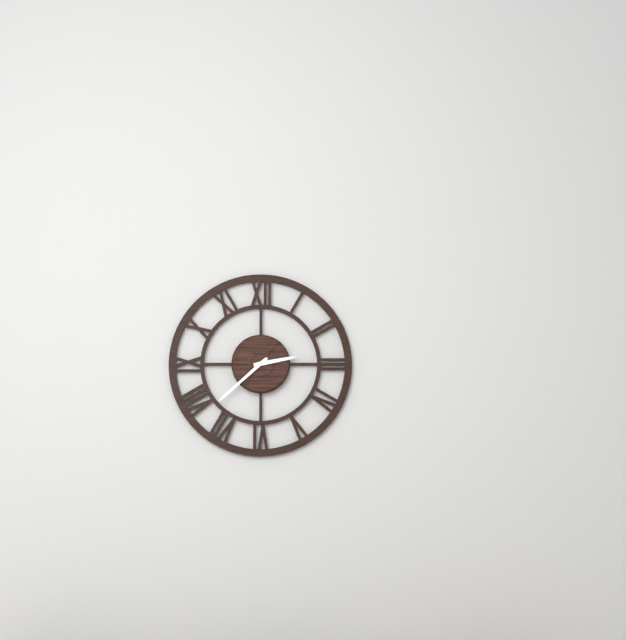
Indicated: 2 h 38 min
